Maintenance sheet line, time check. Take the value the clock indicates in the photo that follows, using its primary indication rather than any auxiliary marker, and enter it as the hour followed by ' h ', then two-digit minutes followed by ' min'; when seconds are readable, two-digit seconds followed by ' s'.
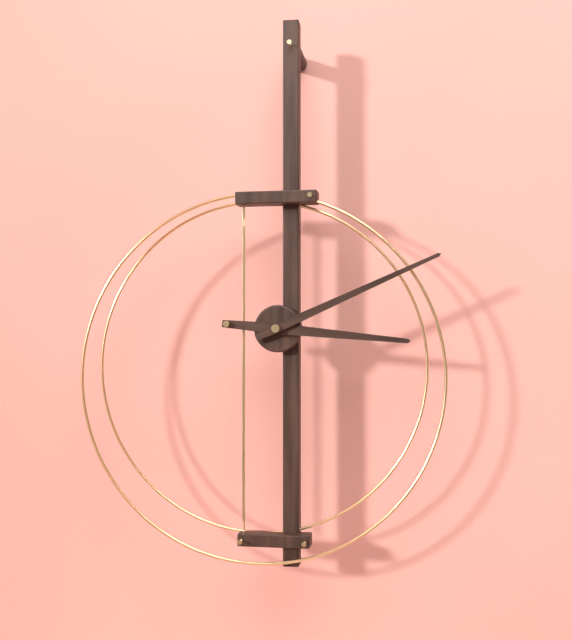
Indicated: 3 h 11 min
